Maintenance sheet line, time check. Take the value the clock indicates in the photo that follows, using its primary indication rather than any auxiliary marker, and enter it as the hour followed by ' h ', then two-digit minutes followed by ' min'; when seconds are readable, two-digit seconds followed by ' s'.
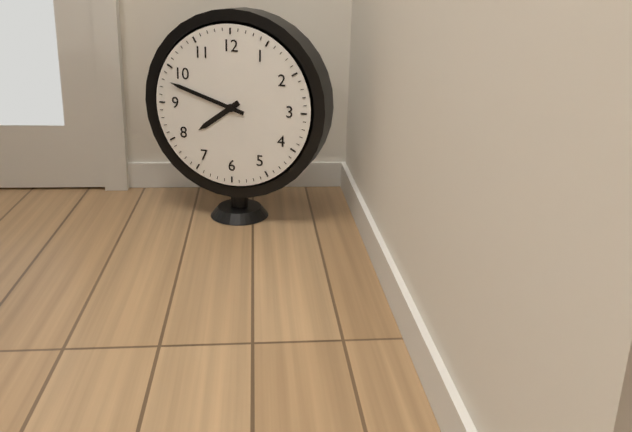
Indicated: 7 h 48 min
